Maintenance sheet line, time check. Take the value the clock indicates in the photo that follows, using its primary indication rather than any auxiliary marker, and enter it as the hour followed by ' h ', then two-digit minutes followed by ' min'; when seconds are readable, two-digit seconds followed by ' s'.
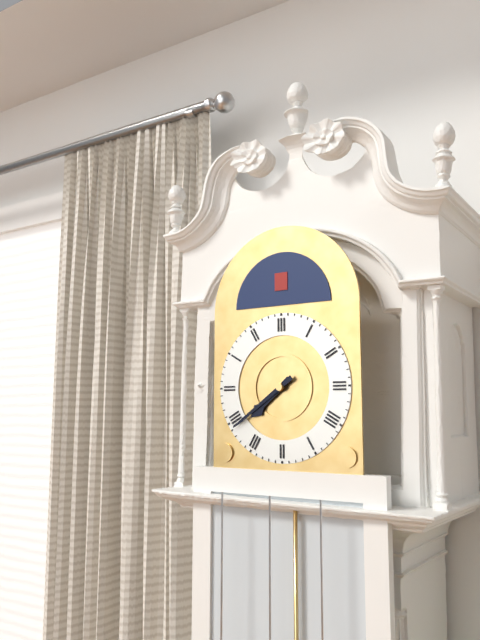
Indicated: 7 h 39 min
